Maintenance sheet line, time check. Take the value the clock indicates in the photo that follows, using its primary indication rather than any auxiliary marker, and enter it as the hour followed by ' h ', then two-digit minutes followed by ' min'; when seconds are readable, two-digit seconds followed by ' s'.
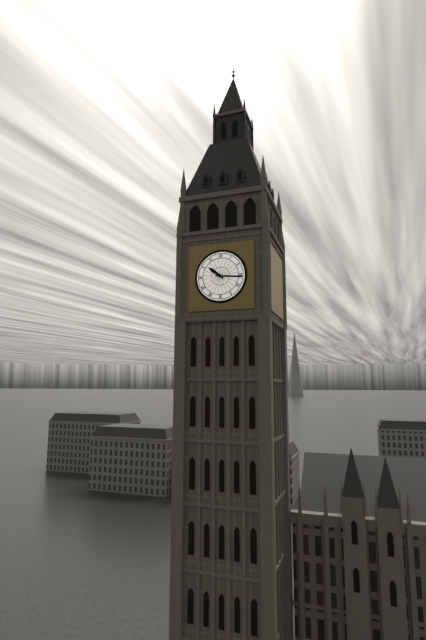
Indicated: 10 h 16 min
